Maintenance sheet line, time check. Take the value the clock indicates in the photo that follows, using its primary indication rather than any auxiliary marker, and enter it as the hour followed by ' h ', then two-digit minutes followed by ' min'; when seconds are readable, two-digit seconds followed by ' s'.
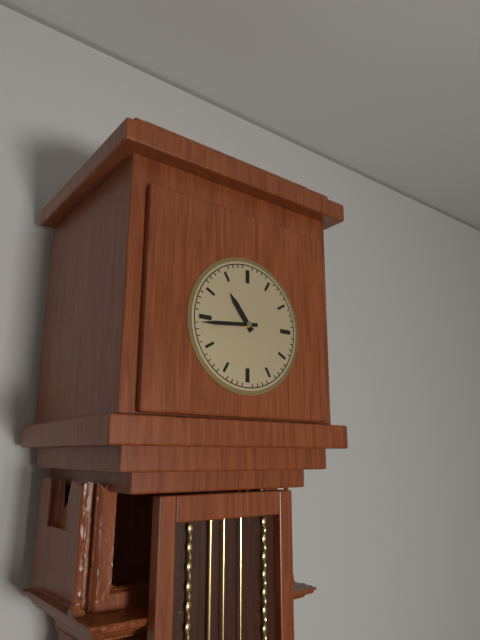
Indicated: 10 h 44 min
